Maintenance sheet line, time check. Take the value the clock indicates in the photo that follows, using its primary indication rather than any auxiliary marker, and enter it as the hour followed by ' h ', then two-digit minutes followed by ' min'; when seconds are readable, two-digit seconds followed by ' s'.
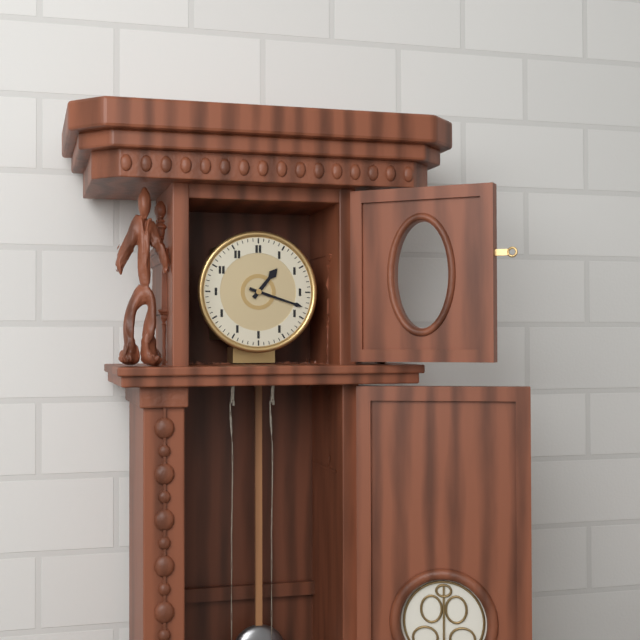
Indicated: 1 h 18 min
